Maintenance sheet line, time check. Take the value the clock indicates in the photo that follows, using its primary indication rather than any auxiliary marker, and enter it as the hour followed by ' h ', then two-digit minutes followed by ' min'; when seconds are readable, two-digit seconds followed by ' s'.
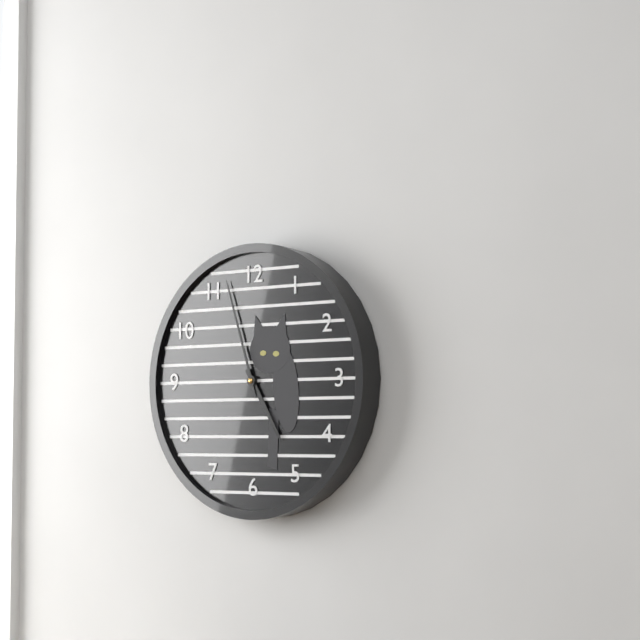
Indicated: 4 h 57 min
